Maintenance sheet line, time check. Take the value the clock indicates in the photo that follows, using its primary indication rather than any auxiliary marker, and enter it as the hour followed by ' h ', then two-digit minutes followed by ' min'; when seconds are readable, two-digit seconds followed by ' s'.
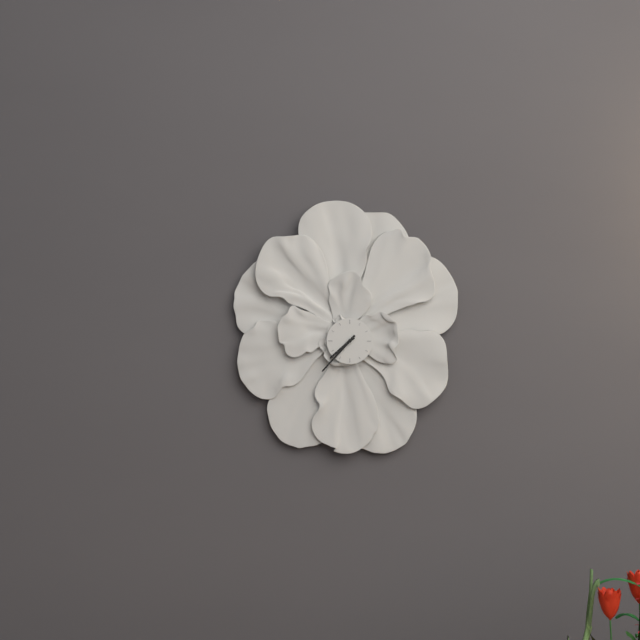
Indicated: 7 h 37 min
